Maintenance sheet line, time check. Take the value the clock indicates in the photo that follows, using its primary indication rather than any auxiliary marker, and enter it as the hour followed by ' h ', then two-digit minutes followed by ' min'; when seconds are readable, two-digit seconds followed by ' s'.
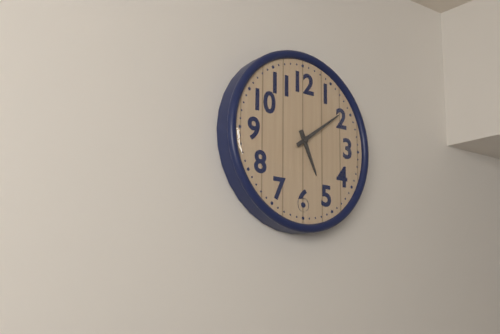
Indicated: 5 h 09 min
